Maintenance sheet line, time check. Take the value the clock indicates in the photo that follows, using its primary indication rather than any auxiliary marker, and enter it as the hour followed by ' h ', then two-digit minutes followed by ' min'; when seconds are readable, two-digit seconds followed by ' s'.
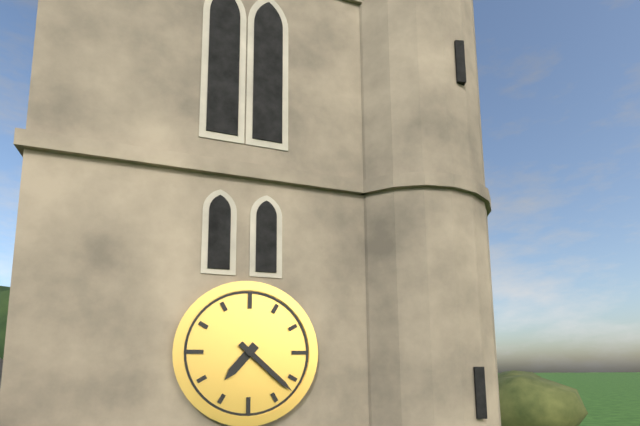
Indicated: 7 h 22 min
